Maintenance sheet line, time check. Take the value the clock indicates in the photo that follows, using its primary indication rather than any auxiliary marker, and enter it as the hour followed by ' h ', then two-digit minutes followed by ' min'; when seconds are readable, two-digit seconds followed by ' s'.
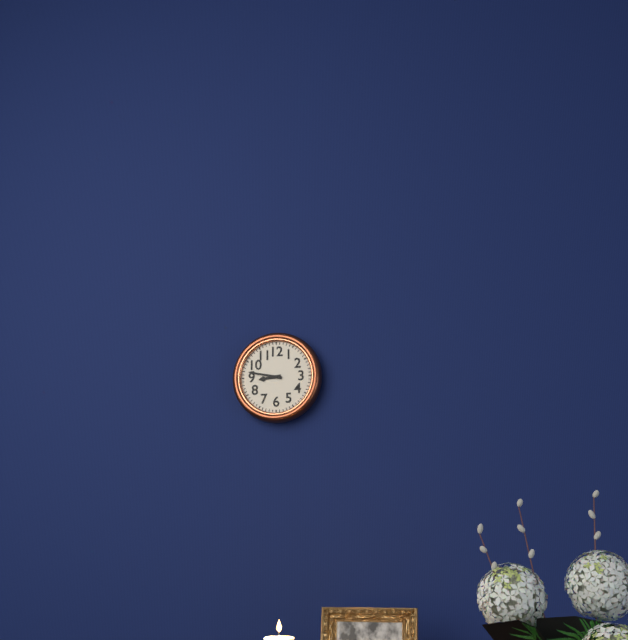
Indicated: 8 h 47 min
